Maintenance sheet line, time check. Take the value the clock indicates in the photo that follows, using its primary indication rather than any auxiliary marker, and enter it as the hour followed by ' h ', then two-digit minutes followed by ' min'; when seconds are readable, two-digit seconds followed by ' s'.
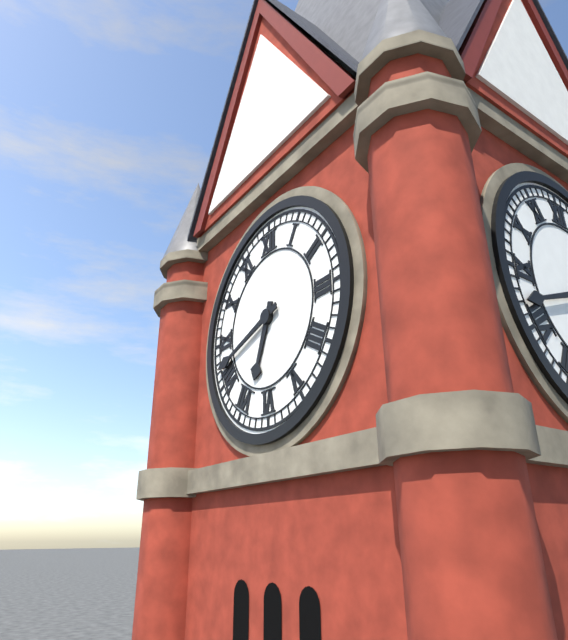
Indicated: 6 h 42 min
